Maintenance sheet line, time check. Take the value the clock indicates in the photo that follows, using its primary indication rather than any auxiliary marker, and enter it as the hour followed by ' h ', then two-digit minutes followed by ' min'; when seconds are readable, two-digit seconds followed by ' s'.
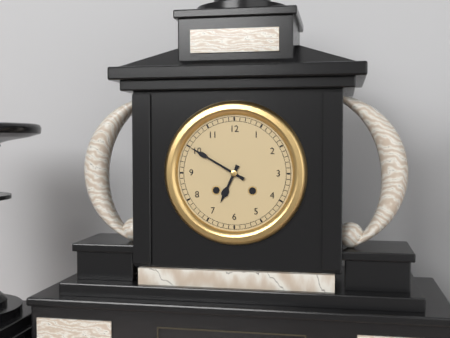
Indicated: 6 h 50 min
